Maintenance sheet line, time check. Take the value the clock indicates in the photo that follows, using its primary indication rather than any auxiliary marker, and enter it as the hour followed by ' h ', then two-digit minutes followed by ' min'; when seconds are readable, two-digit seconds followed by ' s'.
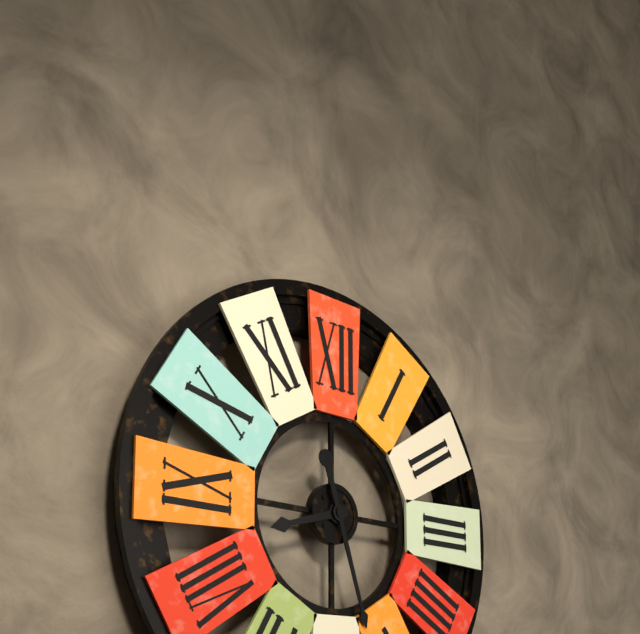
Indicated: 8 h 27 min
